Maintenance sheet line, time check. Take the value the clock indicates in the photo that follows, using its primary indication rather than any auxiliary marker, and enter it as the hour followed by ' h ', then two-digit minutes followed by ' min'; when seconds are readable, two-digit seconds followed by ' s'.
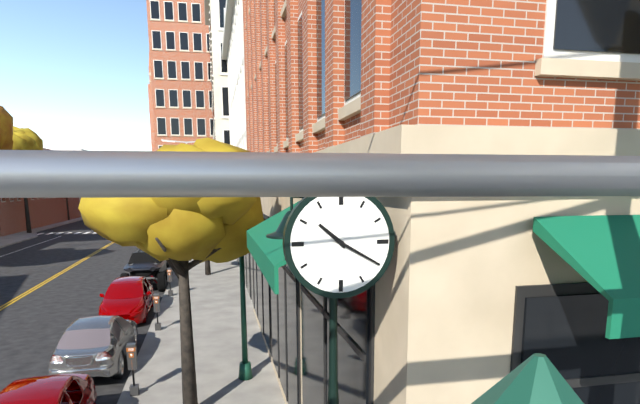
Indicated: 10 h 20 min
